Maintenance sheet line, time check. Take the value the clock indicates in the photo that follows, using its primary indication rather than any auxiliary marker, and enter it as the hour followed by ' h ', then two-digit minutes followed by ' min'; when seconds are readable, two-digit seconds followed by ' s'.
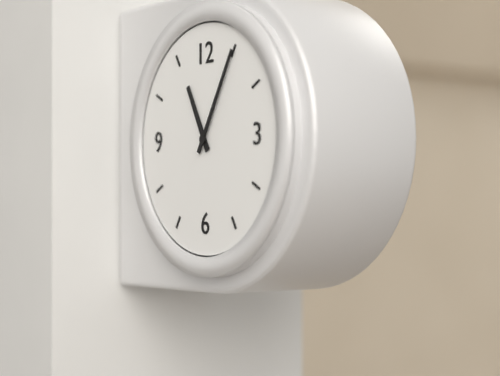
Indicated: 11 h 05 min
